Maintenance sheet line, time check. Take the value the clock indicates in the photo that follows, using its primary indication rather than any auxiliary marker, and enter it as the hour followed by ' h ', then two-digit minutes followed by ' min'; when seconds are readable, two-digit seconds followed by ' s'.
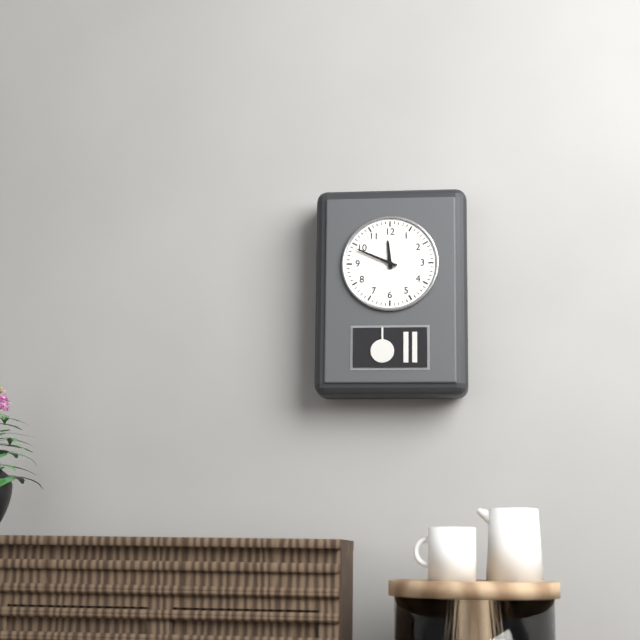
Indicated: 11 h 49 min
